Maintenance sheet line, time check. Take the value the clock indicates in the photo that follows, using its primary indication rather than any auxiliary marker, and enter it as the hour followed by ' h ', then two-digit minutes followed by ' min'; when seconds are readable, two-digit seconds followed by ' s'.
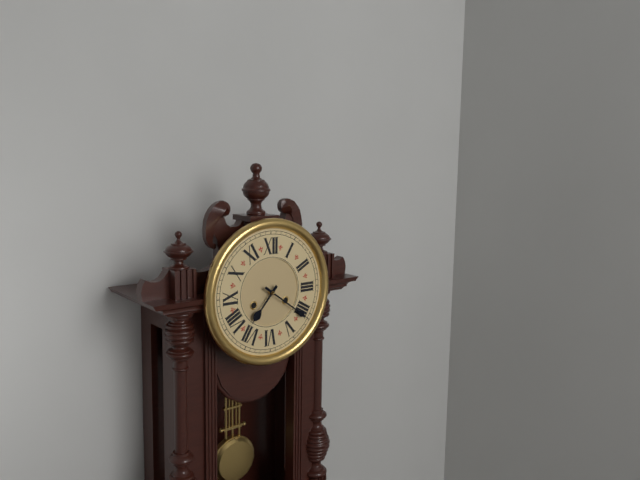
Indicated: 7 h 21 min
